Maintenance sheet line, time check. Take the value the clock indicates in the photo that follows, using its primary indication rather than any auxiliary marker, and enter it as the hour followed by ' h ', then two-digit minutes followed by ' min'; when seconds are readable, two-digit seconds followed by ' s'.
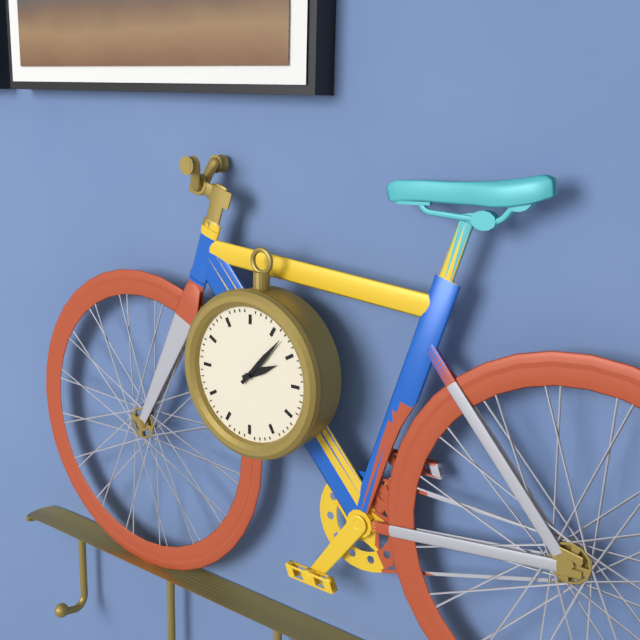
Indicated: 2 h 07 min
